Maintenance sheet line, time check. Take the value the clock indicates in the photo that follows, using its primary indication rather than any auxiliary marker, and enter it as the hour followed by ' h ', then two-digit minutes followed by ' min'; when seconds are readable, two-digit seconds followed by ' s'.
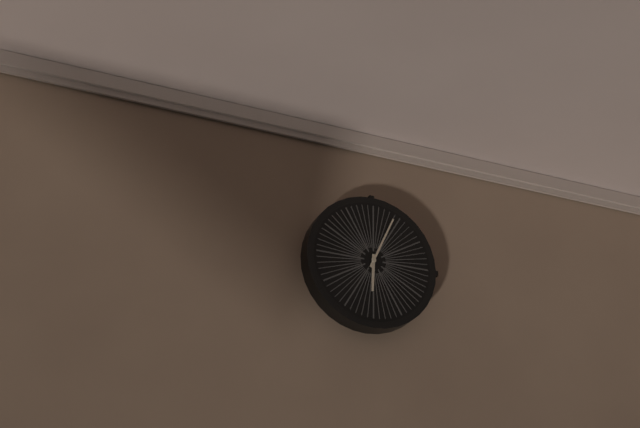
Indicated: 6 h 04 min
